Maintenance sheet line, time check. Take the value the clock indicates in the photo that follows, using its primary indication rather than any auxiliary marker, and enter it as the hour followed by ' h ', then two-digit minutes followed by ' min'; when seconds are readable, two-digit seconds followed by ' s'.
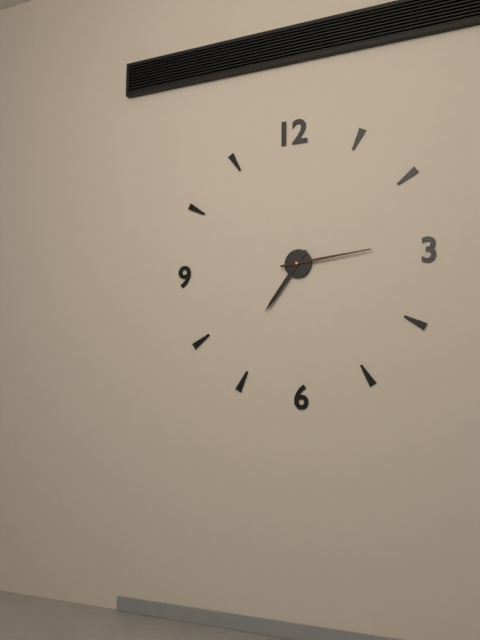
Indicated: 7 h 14 min
